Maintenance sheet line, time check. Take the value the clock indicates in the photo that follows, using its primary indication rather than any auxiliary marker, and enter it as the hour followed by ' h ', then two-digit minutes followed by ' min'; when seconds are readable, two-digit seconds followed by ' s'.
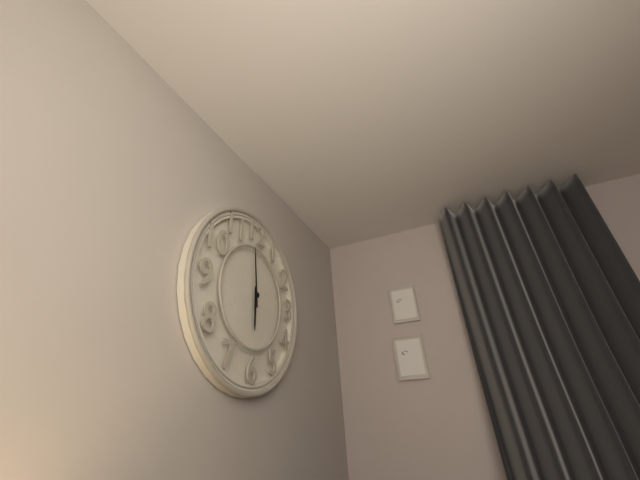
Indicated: 5 h 59 min
